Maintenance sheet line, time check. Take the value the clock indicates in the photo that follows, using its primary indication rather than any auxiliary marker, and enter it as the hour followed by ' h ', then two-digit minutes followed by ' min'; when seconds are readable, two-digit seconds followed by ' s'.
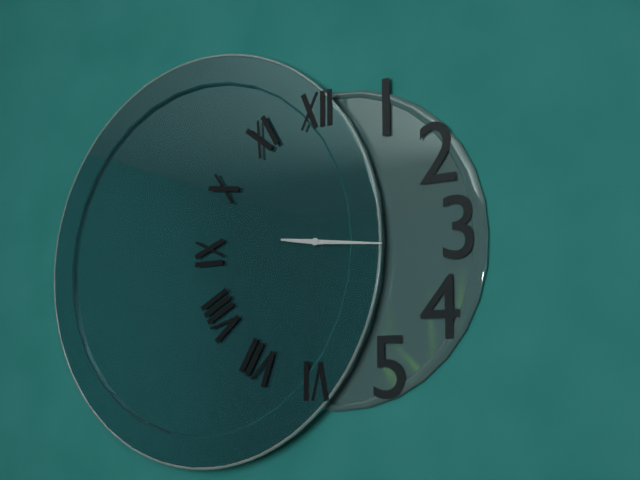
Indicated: 9 h 16 min
